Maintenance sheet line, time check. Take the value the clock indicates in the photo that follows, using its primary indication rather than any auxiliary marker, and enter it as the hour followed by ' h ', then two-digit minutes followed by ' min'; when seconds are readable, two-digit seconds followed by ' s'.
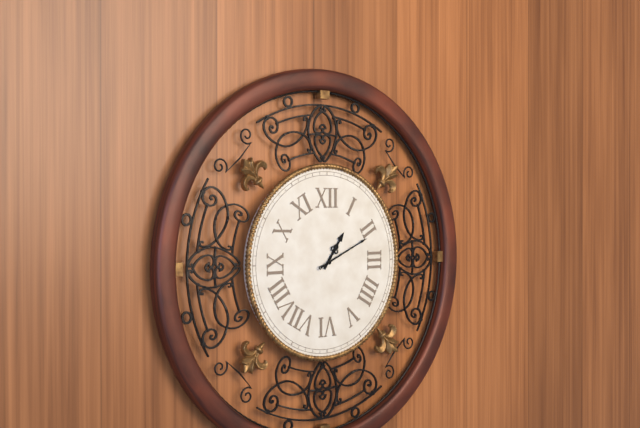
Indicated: 1 h 11 min
